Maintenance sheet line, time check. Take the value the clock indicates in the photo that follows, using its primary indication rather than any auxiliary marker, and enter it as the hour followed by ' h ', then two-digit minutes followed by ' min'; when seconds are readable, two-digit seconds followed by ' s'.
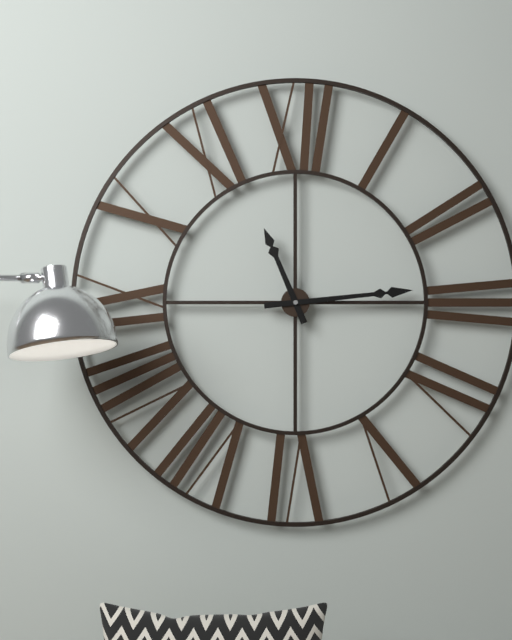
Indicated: 11 h 14 min
